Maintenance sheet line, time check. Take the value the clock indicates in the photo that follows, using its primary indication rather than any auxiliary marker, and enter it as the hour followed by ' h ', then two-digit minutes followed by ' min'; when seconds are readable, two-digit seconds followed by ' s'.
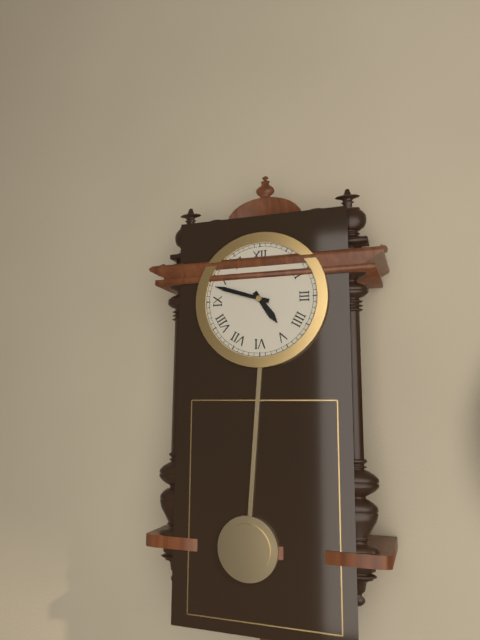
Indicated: 4 h 48 min
